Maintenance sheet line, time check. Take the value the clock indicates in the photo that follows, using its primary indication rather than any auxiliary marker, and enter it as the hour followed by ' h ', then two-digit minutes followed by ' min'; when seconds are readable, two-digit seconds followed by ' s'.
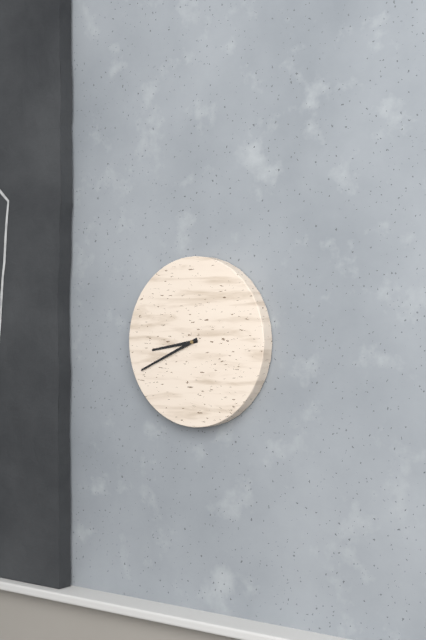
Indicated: 8 h 41 min
